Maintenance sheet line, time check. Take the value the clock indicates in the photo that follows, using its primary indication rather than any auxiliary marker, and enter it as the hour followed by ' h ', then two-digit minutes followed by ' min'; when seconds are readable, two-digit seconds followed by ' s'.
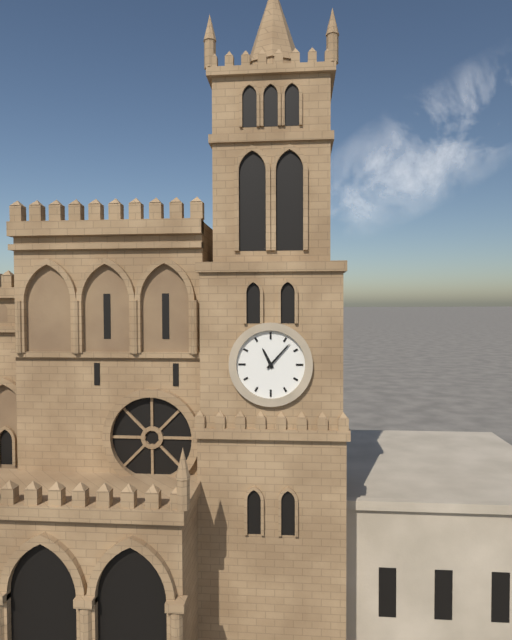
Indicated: 11 h 07 min
